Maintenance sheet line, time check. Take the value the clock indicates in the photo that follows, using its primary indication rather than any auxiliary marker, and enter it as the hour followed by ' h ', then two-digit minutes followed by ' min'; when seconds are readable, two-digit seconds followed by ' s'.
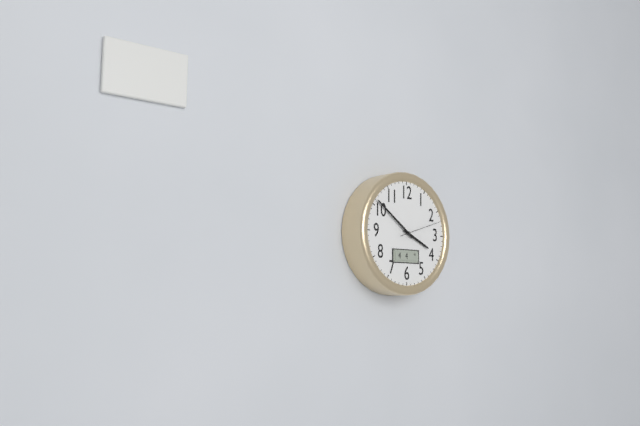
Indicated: 3 h 51 min
